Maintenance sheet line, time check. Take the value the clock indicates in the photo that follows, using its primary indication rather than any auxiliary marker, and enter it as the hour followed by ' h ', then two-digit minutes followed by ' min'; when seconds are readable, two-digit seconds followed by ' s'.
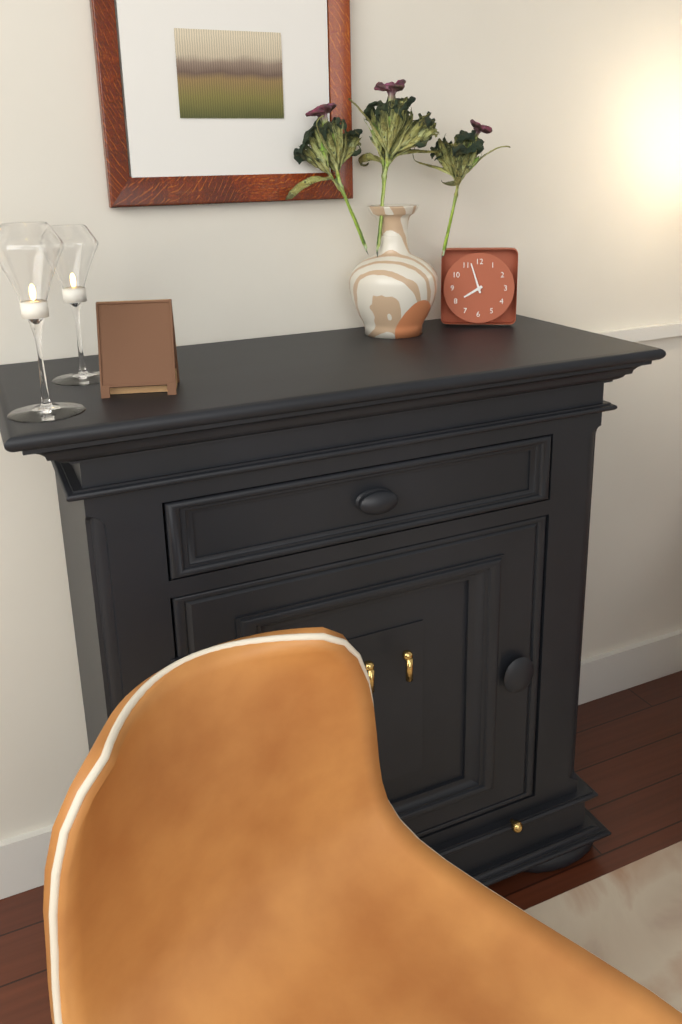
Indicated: 7 h 57 min
